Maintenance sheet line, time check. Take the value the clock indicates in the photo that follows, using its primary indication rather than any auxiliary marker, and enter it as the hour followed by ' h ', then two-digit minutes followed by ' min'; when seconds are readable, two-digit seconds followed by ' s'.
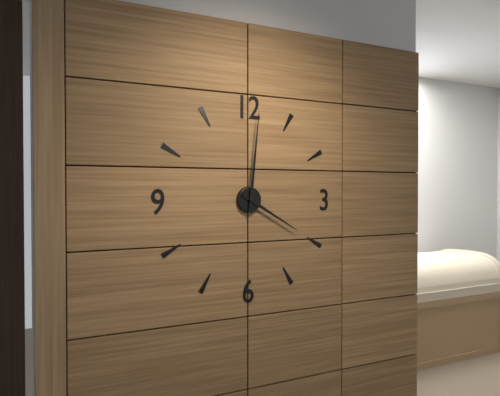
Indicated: 4 h 01 min
